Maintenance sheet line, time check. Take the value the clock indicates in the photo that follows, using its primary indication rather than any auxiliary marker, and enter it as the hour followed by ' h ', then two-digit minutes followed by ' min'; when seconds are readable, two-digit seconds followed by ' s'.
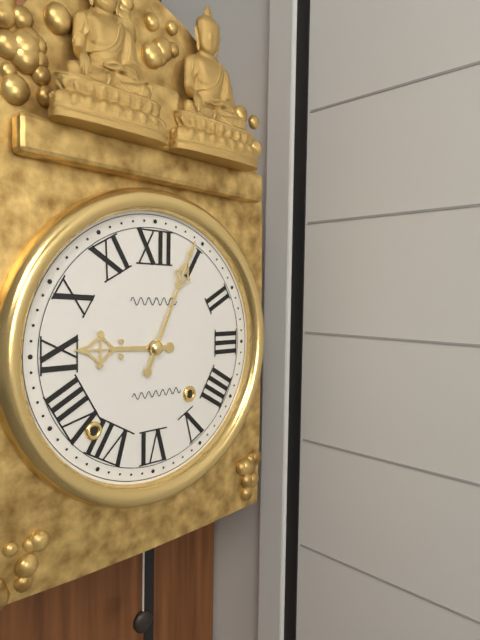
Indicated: 9 h 04 min
